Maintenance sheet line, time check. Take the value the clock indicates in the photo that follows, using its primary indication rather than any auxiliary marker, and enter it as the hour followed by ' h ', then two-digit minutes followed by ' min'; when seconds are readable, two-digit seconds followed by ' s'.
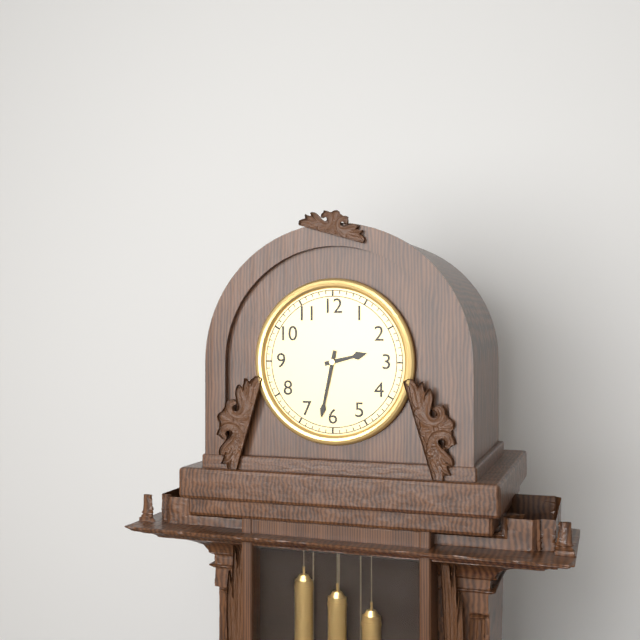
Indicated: 2 h 32 min
